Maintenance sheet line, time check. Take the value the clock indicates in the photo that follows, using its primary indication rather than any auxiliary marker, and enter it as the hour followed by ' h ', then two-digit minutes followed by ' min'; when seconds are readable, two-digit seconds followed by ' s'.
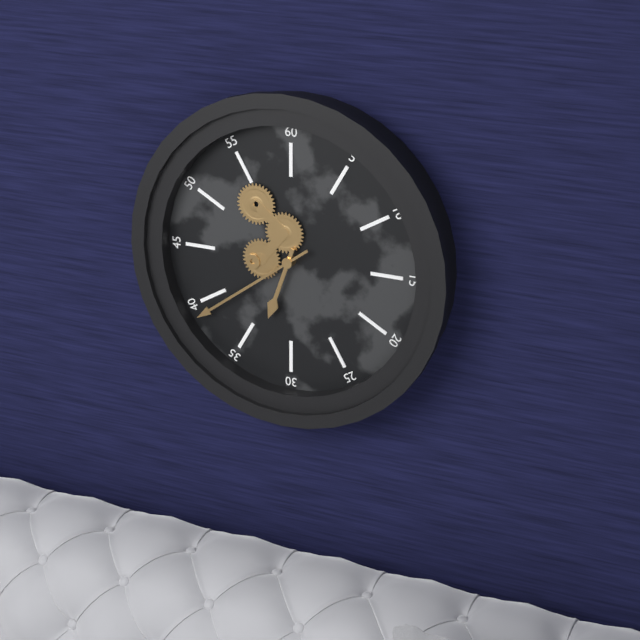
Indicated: 6 h 39 min
